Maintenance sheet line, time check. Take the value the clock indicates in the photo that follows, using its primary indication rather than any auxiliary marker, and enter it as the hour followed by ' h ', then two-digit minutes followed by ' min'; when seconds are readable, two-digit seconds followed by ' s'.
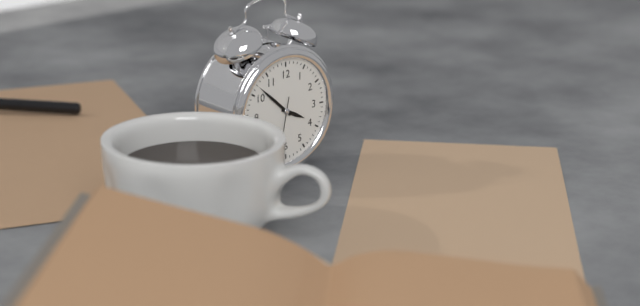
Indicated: 3 h 52 min
